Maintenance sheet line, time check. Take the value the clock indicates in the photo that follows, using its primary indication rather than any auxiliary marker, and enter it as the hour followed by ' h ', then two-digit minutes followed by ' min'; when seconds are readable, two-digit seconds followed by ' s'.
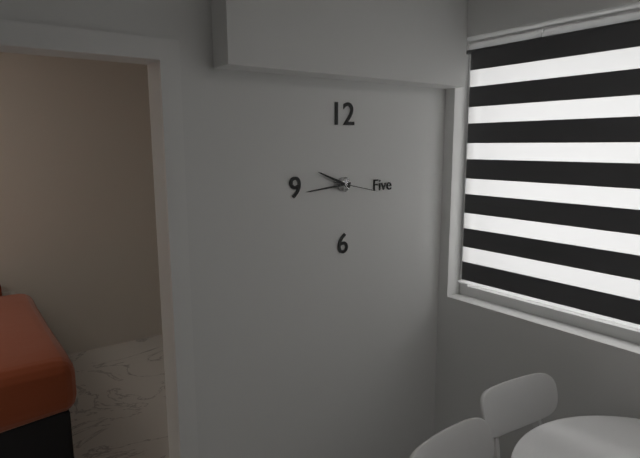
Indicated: 9 h 44 min
